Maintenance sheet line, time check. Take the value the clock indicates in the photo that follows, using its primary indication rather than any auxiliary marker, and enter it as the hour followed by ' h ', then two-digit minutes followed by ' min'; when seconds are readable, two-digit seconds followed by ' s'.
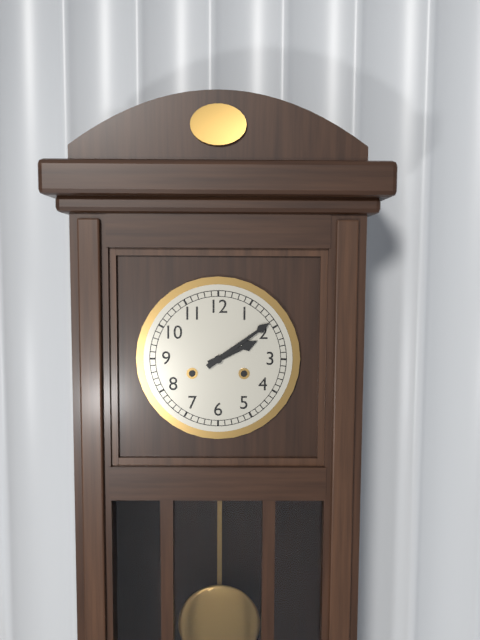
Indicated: 2 h 09 min
